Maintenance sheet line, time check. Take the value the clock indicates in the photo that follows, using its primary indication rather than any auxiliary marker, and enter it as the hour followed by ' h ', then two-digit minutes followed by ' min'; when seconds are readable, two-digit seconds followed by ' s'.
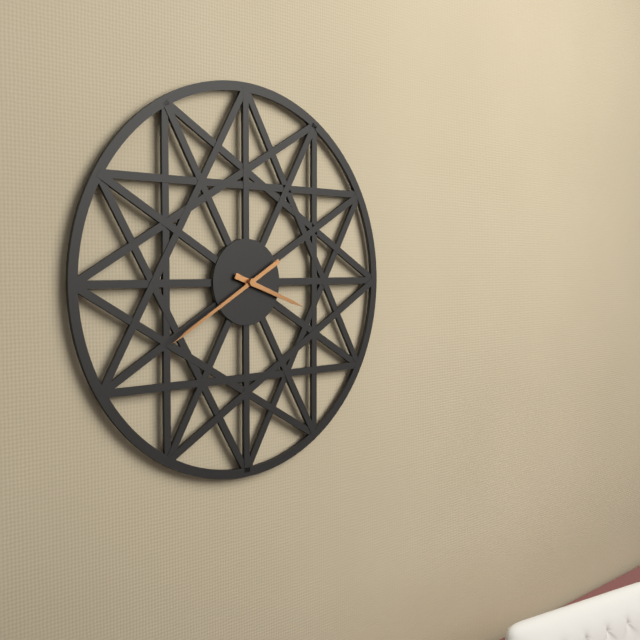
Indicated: 3 h 40 min
